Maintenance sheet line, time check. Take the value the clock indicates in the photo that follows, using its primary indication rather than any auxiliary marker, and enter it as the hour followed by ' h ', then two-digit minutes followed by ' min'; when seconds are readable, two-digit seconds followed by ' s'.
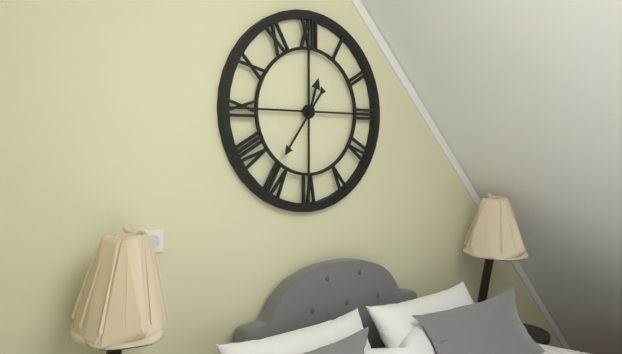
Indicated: 12 h 36 min
